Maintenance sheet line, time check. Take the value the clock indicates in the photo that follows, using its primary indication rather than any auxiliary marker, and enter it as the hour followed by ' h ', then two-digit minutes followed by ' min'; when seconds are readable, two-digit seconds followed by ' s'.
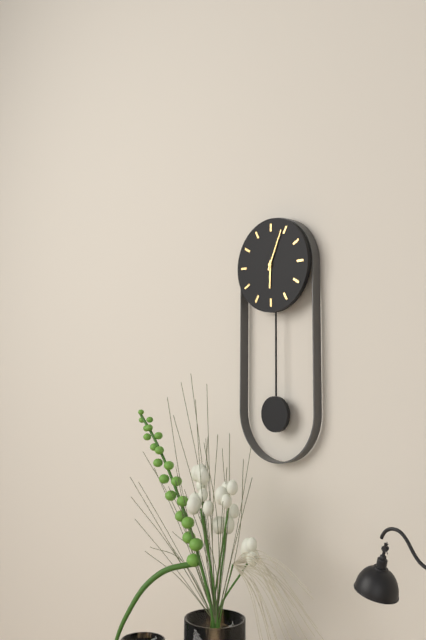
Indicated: 6 h 04 min
